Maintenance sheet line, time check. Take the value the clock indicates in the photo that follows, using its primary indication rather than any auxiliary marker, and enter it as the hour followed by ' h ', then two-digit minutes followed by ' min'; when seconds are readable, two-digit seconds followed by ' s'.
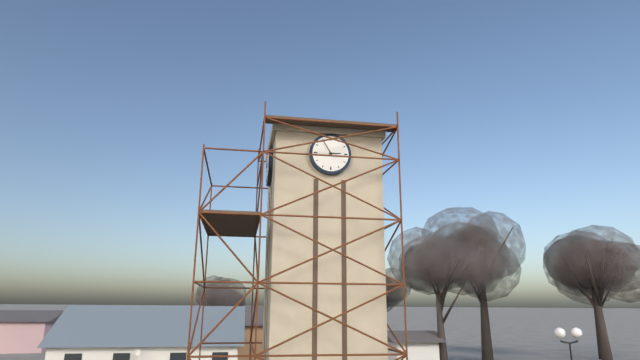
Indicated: 2 h 55 min
